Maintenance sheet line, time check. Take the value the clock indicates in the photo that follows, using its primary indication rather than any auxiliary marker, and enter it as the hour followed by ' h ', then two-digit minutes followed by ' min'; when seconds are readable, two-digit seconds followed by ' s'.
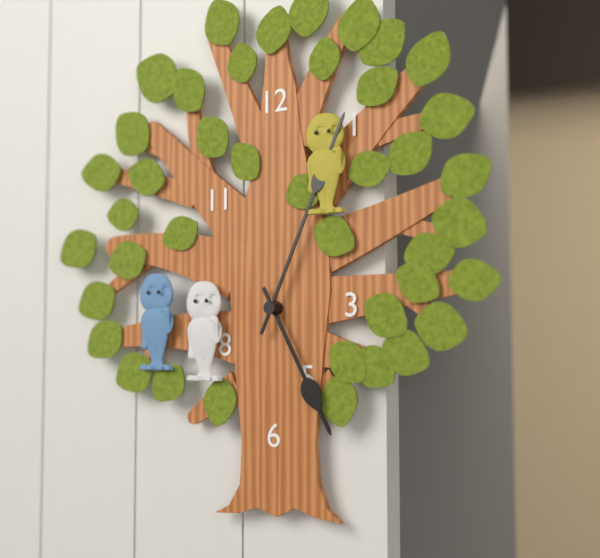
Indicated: 5 h 04 min
